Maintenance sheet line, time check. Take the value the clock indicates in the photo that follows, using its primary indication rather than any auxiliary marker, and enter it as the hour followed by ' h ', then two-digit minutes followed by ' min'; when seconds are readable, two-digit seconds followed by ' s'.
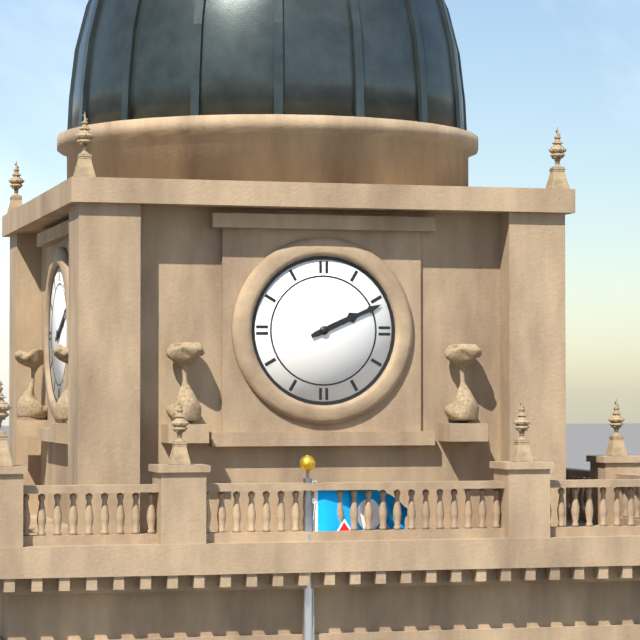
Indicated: 2 h 11 min
